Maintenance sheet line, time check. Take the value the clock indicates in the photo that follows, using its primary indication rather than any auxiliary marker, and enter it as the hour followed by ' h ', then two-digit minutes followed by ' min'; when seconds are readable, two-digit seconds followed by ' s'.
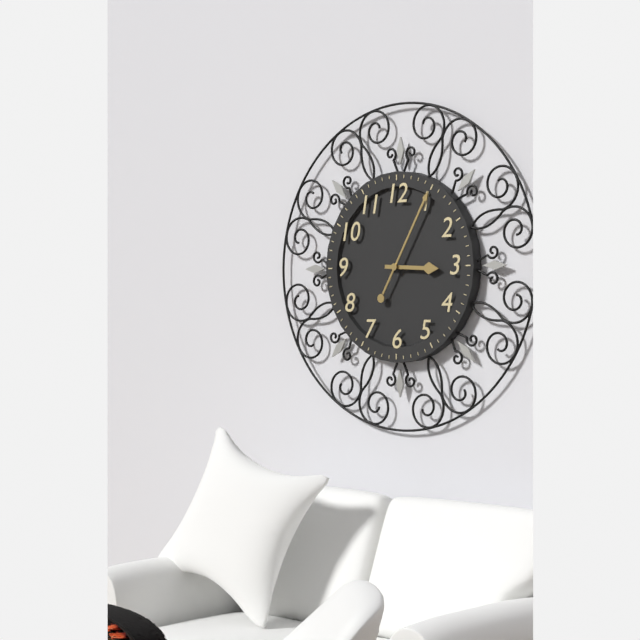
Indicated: 3 h 05 min
